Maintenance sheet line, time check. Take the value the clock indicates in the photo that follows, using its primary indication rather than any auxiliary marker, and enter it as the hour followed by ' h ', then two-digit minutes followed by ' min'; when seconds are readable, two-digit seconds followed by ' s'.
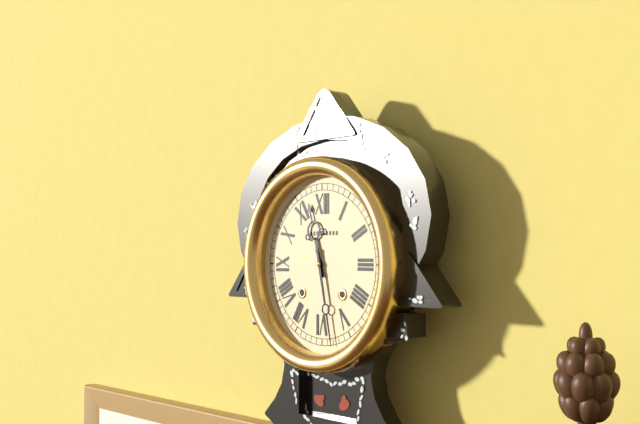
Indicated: 11 h 28 min
